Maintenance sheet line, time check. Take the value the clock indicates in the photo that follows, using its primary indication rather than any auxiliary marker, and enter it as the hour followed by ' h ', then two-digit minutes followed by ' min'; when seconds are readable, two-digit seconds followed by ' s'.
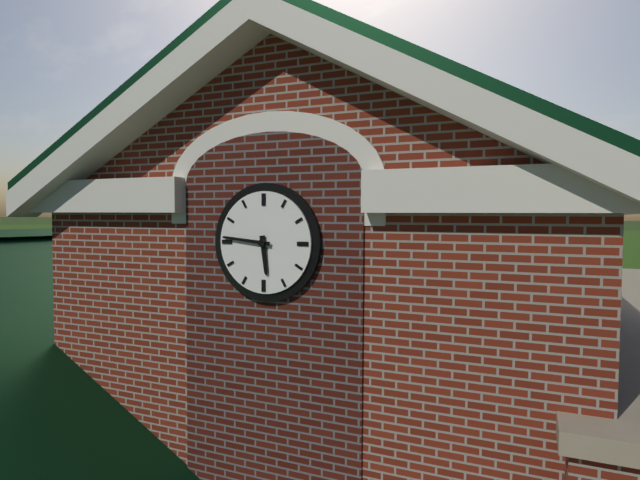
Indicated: 5 h 46 min
